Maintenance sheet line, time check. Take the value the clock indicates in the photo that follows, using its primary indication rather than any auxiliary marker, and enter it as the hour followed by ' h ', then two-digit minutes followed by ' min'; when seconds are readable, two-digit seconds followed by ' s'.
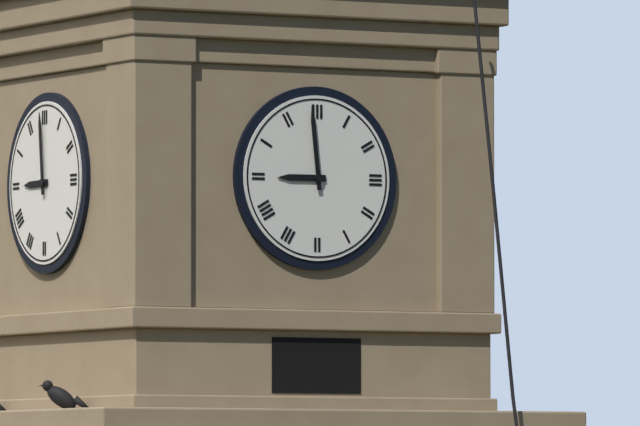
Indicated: 8 h 59 min
